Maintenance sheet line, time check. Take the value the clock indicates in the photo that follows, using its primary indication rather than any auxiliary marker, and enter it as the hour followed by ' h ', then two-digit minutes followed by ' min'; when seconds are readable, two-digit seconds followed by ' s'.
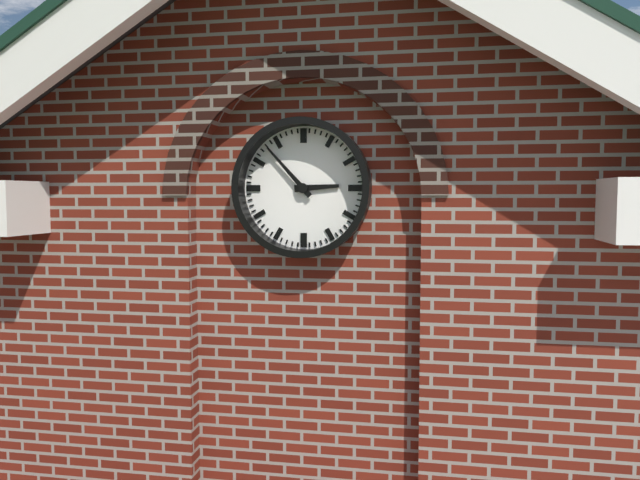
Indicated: 2 h 53 min
